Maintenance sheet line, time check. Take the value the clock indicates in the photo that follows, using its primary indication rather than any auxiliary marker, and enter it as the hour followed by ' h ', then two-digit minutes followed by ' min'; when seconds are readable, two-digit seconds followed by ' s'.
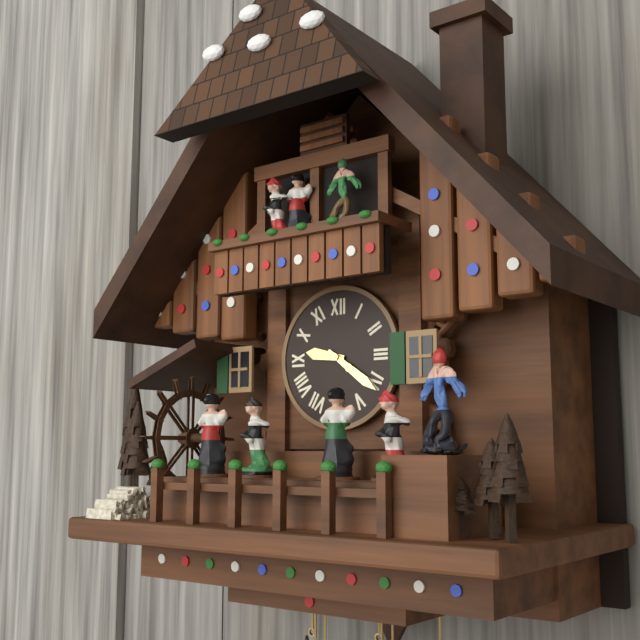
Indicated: 9 h 21 min
